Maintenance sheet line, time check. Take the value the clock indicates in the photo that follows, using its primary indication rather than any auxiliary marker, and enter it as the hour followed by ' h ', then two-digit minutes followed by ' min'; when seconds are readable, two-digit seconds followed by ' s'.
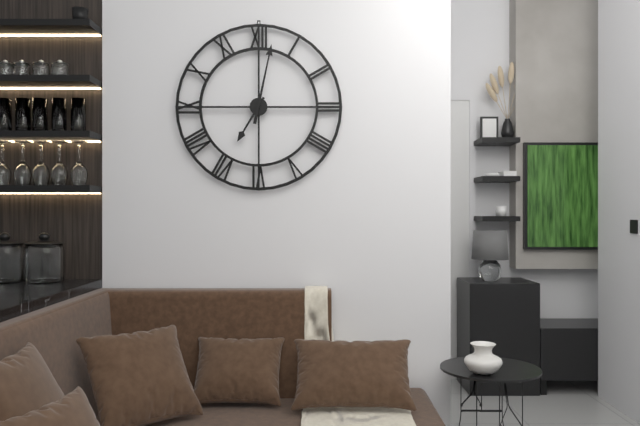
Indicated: 7 h 02 min
